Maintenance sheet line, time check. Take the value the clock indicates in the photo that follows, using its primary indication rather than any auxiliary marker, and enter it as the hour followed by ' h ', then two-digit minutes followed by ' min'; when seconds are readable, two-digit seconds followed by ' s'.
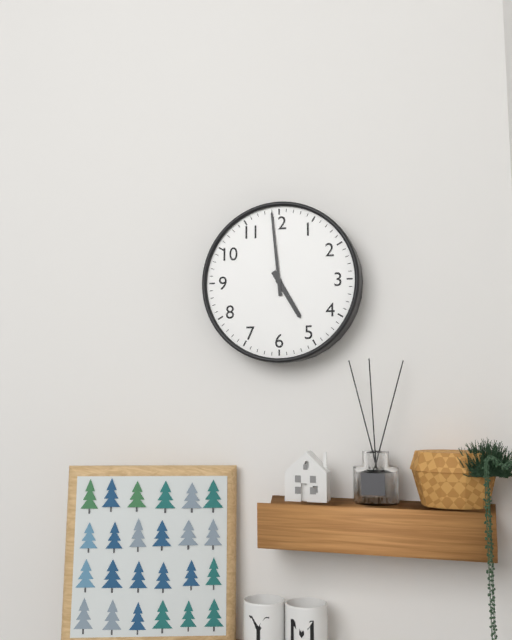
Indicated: 4 h 59 min
